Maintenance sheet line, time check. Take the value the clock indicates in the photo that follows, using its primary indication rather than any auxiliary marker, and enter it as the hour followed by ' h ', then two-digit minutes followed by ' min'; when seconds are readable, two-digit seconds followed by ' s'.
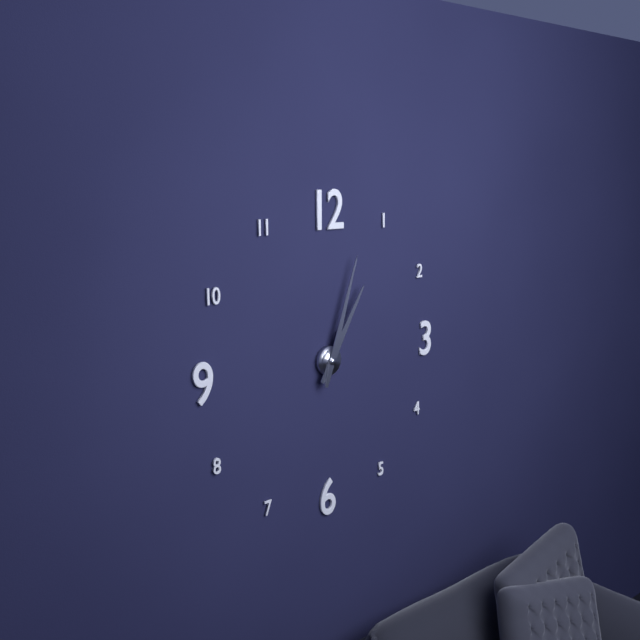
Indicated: 1 h 03 min
